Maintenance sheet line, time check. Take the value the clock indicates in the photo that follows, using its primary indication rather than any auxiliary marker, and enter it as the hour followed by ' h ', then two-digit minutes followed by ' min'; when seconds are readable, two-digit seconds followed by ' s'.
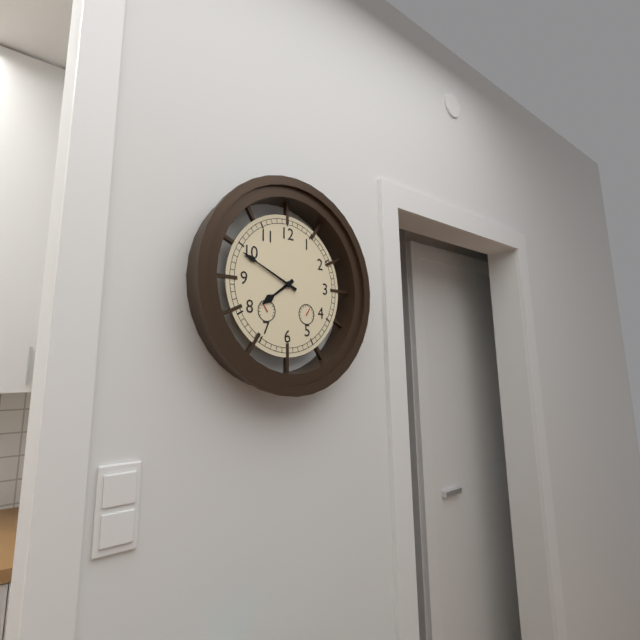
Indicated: 7 h 49 min
